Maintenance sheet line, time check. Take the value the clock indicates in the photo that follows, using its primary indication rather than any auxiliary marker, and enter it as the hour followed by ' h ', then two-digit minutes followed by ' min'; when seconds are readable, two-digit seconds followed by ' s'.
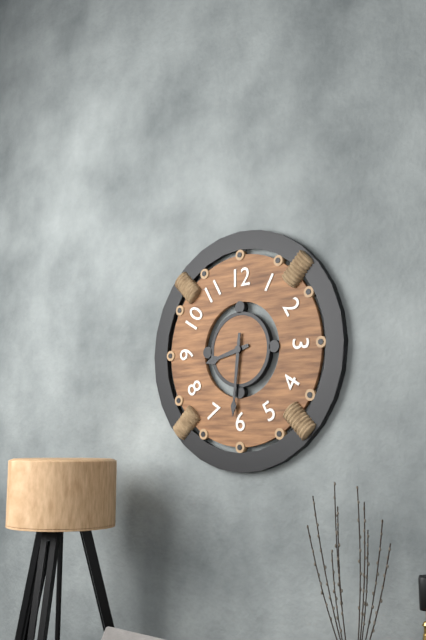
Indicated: 8 h 31 min
